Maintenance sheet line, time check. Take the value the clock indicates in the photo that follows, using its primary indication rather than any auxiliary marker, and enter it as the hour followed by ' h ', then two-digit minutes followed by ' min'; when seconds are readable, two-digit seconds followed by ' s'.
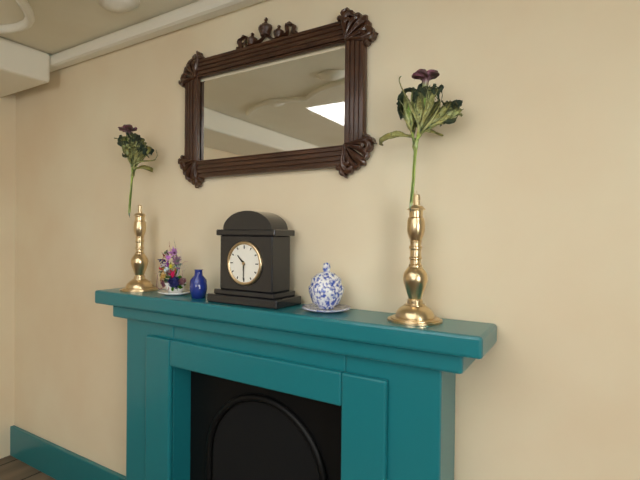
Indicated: 10 h 30 min
